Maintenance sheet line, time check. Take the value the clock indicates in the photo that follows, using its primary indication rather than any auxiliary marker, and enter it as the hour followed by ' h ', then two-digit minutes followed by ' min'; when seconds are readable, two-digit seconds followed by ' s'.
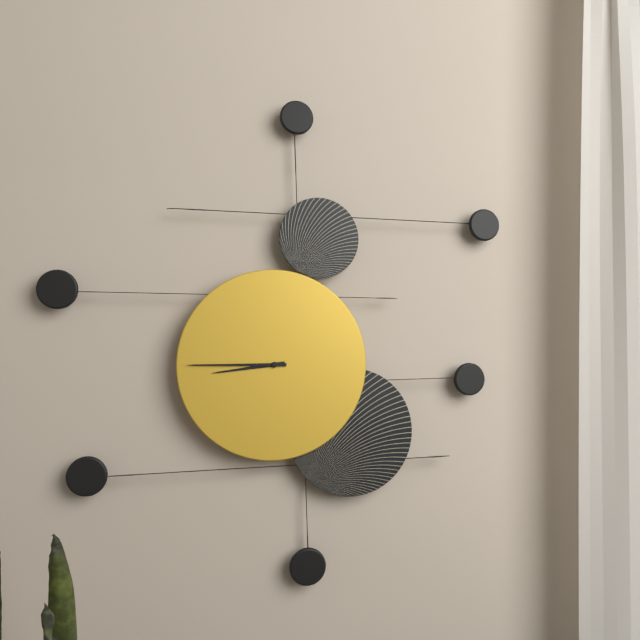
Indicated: 8 h 45 min
